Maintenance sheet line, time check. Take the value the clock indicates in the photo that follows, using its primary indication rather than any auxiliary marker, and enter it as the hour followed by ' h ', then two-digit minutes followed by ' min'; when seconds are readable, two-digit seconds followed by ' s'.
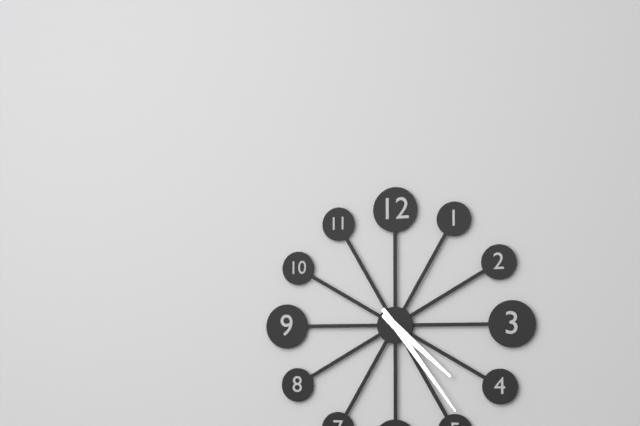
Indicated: 4 h 24 min
